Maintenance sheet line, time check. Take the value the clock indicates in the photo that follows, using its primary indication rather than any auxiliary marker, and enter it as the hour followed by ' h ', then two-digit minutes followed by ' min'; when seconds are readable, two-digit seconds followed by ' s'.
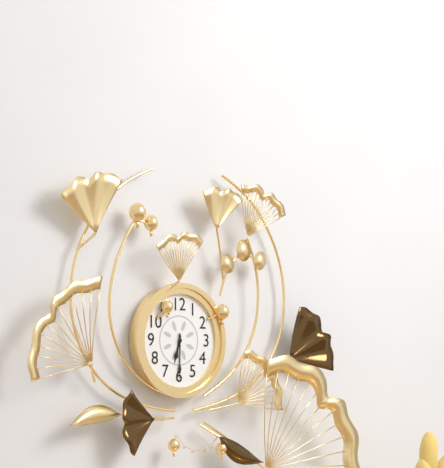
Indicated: 6 h 30 min
